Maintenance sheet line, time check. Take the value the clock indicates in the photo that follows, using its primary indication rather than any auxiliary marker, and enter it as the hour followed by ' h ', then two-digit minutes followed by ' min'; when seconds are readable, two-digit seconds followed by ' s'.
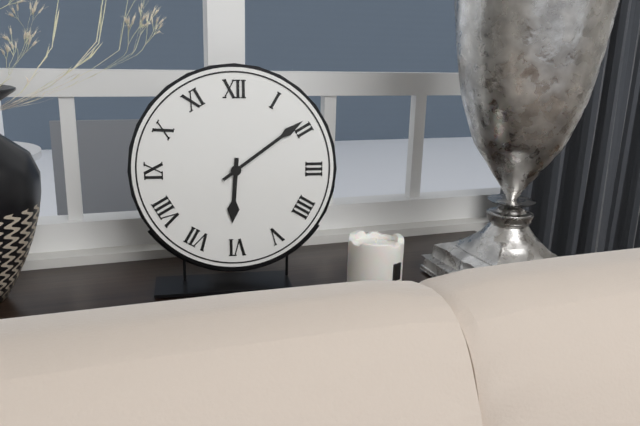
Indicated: 6 h 09 min
